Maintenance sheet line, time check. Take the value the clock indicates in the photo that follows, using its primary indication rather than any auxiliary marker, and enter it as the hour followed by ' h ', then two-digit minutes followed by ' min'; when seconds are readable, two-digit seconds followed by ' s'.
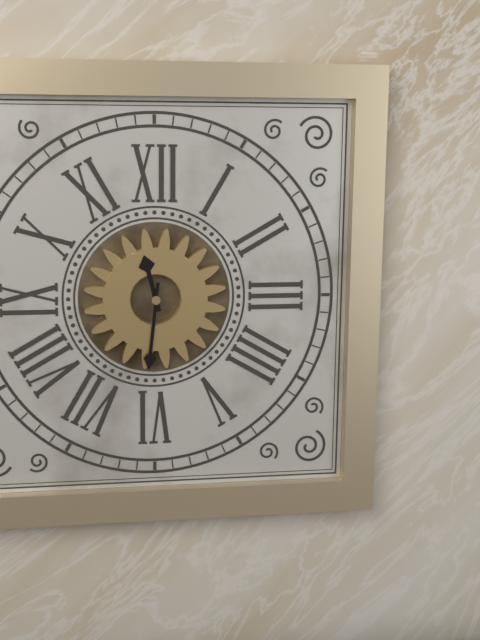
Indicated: 11 h 31 min
